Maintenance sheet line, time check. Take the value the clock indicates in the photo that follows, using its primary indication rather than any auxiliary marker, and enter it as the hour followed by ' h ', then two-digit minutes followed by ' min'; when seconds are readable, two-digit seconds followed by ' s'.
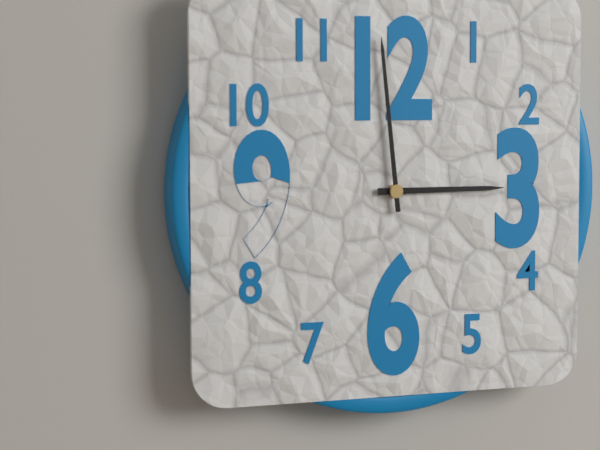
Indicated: 2 h 59 min
